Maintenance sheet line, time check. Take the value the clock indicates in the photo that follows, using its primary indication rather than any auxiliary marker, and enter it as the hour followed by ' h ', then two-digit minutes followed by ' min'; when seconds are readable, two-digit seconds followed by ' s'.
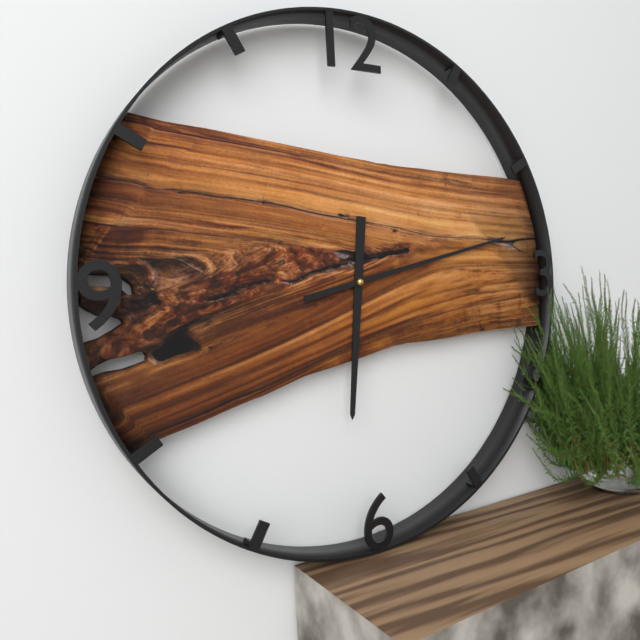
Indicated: 6 h 13 min
